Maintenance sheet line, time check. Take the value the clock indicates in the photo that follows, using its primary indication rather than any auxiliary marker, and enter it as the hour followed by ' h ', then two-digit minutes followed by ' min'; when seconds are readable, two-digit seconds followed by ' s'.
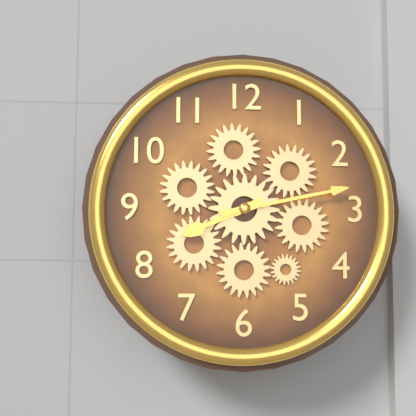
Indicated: 8 h 13 min
